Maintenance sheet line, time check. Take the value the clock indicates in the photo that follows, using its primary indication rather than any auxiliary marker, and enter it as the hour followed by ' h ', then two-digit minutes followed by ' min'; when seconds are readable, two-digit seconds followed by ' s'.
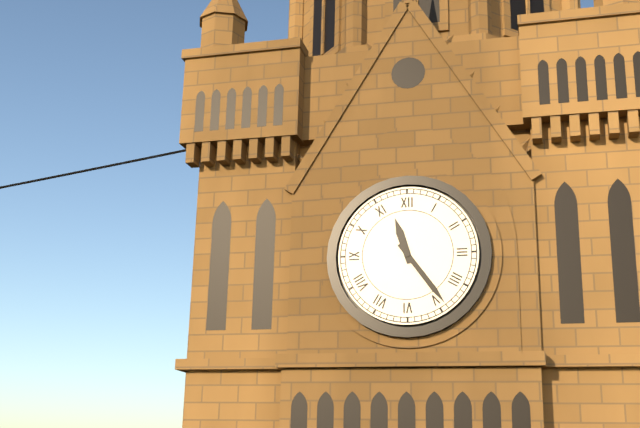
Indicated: 11 h 24 min
